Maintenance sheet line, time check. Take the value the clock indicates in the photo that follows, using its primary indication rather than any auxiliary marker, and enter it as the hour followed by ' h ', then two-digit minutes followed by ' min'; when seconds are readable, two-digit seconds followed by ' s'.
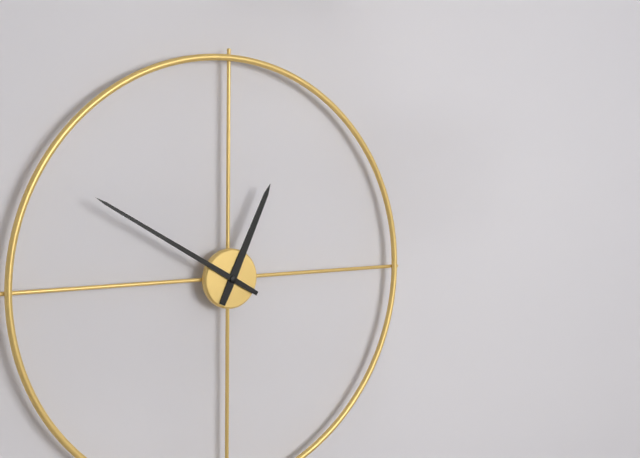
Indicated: 12 h 50 min
